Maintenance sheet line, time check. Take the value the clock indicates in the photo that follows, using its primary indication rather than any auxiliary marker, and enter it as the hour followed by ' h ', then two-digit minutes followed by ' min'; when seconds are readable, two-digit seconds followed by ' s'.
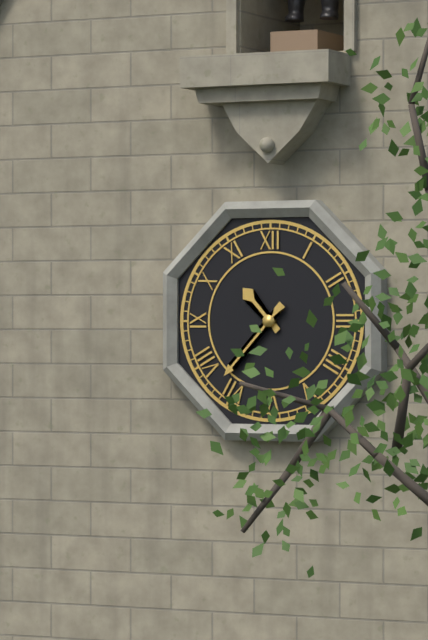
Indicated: 10 h 37 min
